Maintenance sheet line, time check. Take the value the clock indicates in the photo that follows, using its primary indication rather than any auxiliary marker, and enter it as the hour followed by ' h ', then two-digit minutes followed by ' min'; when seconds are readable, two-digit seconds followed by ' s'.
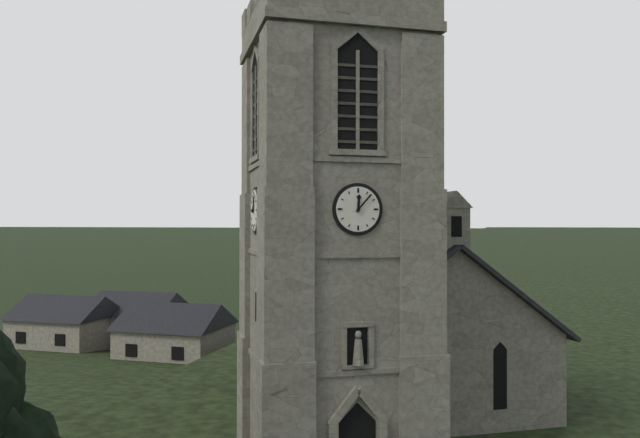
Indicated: 12 h 07 min
